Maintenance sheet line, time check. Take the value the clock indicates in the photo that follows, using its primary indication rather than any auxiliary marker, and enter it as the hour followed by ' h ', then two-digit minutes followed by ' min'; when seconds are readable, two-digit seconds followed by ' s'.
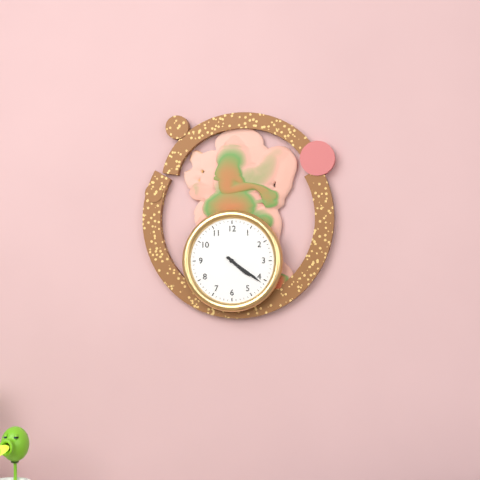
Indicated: 4 h 21 min
